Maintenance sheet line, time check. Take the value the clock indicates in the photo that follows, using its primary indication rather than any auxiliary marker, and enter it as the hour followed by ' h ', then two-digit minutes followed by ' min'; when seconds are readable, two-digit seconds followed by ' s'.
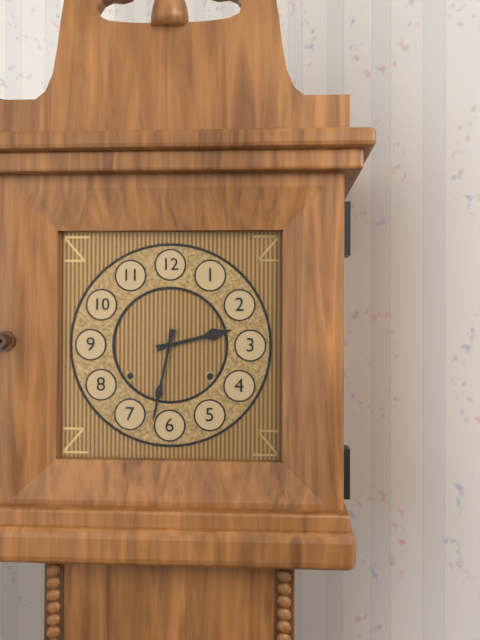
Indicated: 2 h 32 min
